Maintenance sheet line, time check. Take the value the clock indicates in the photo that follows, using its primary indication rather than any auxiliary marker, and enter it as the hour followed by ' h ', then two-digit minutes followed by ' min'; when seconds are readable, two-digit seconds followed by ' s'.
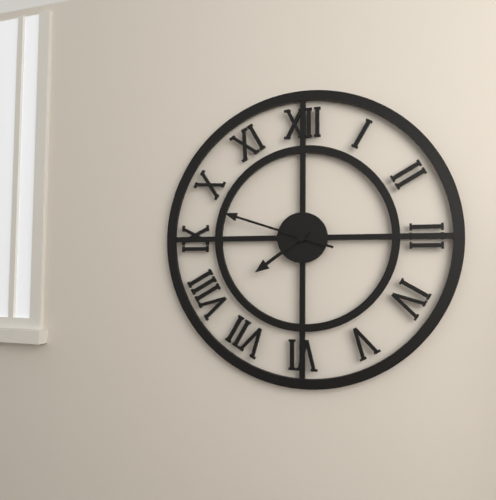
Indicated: 7 h 48 min
